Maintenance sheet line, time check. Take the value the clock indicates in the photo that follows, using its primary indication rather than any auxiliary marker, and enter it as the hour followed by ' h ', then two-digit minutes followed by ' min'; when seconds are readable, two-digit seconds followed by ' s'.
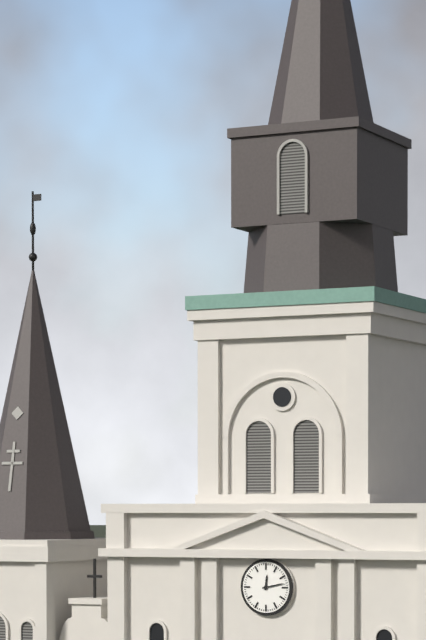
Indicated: 12 h 13 min
